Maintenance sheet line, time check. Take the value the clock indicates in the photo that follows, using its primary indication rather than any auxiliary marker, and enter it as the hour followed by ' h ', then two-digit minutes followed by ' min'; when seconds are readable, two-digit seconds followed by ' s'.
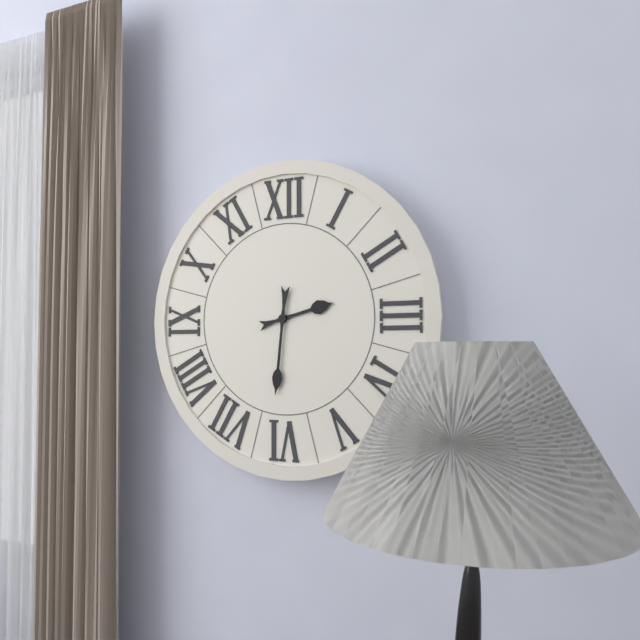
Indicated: 2 h 31 min
